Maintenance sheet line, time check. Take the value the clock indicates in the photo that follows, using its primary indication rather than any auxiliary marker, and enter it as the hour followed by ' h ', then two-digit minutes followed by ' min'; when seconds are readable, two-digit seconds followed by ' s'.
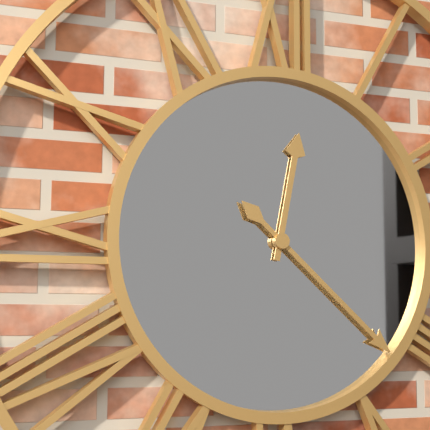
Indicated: 12 h 22 min
